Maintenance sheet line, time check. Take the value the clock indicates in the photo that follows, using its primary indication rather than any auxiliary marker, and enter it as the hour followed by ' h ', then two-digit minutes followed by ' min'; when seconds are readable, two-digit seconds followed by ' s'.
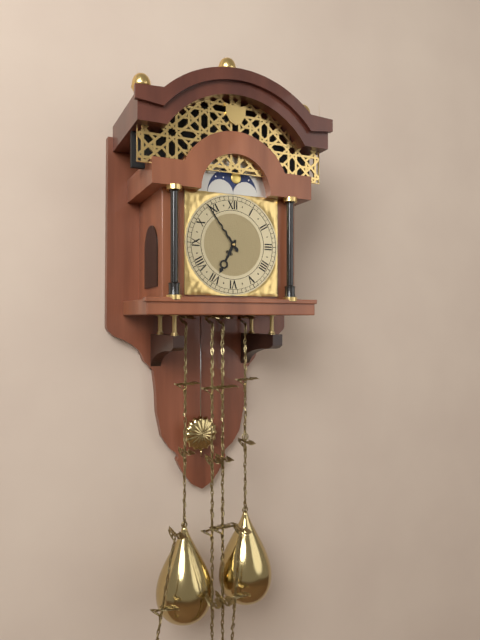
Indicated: 6 h 54 min
